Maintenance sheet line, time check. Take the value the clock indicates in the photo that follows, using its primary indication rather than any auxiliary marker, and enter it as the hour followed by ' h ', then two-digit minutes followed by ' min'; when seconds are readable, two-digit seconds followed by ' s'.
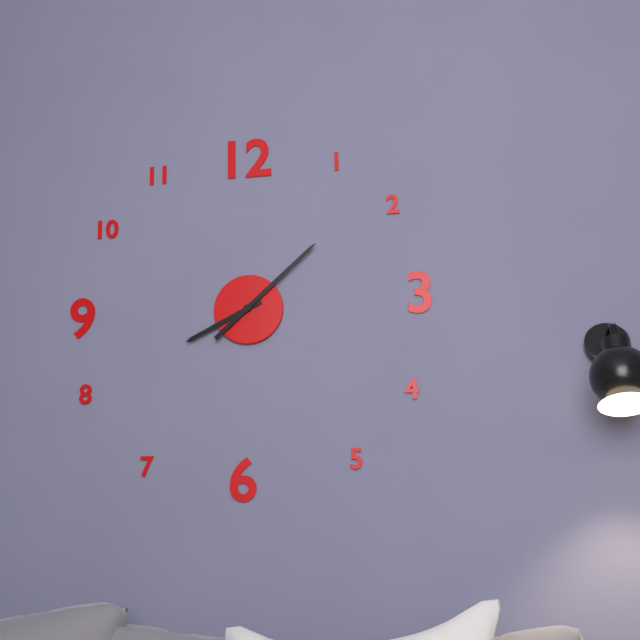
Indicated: 8 h 08 min
